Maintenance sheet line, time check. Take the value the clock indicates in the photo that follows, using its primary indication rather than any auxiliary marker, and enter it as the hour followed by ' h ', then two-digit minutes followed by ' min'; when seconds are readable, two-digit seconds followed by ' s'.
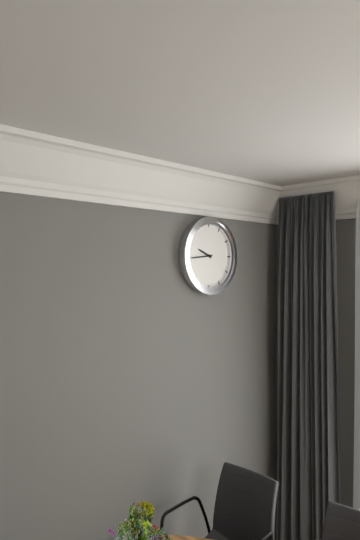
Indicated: 9 h 44 min
